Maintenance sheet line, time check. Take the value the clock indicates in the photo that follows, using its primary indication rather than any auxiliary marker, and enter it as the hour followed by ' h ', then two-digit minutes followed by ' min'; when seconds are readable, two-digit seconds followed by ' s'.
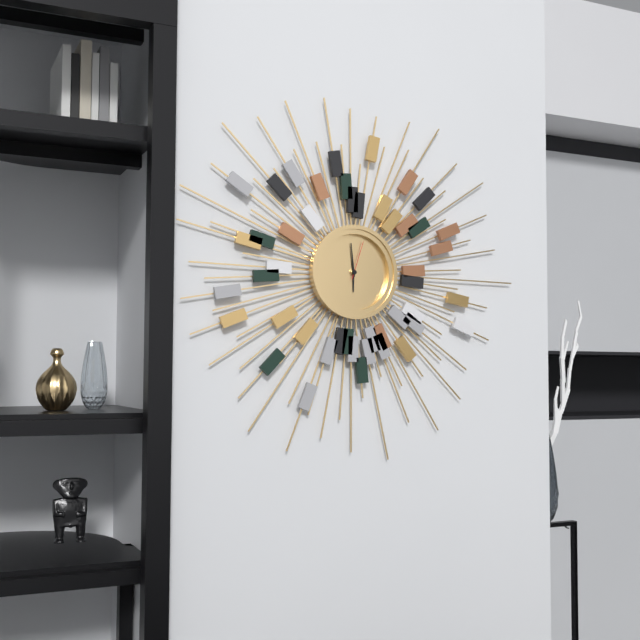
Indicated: 5 h 59 min
